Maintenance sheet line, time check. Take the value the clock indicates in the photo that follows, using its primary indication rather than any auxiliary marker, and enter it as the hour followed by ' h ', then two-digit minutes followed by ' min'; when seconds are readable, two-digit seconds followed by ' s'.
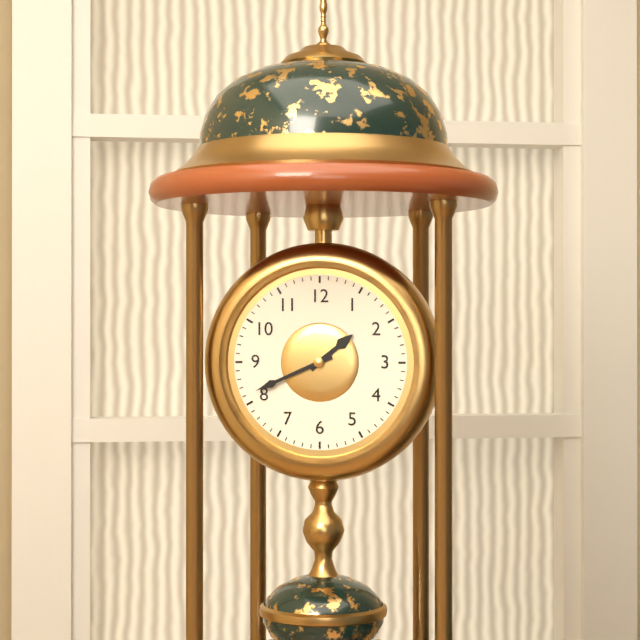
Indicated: 1 h 41 min
